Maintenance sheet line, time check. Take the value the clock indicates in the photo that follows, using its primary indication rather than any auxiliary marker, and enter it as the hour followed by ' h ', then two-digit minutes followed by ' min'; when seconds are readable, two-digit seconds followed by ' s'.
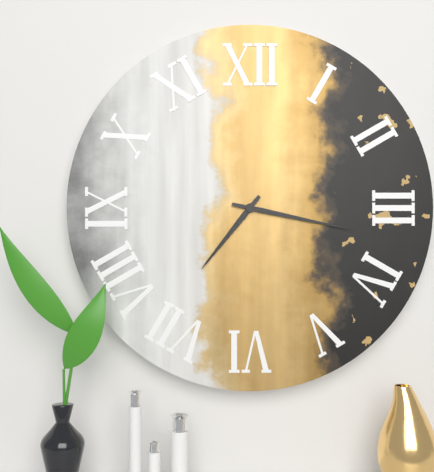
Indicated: 7 h 17 min
